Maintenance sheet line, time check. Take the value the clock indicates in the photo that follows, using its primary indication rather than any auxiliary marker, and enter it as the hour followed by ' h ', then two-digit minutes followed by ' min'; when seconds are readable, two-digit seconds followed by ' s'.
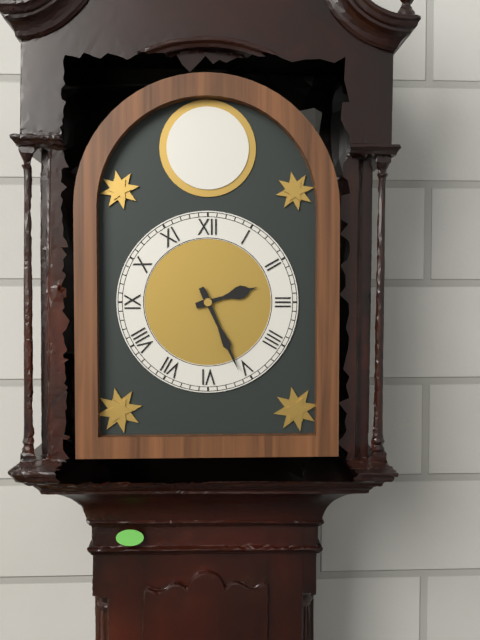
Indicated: 2 h 26 min
